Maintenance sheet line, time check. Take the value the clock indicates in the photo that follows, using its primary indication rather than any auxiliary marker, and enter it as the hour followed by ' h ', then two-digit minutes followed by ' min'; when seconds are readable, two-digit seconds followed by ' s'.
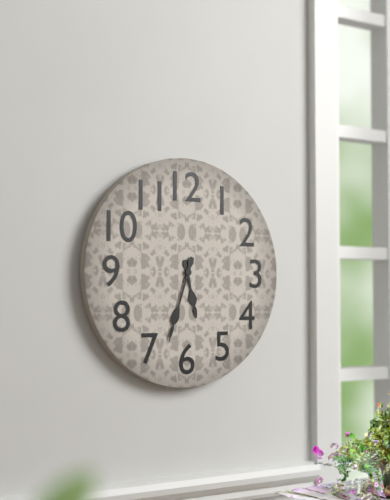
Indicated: 5 h 33 min
